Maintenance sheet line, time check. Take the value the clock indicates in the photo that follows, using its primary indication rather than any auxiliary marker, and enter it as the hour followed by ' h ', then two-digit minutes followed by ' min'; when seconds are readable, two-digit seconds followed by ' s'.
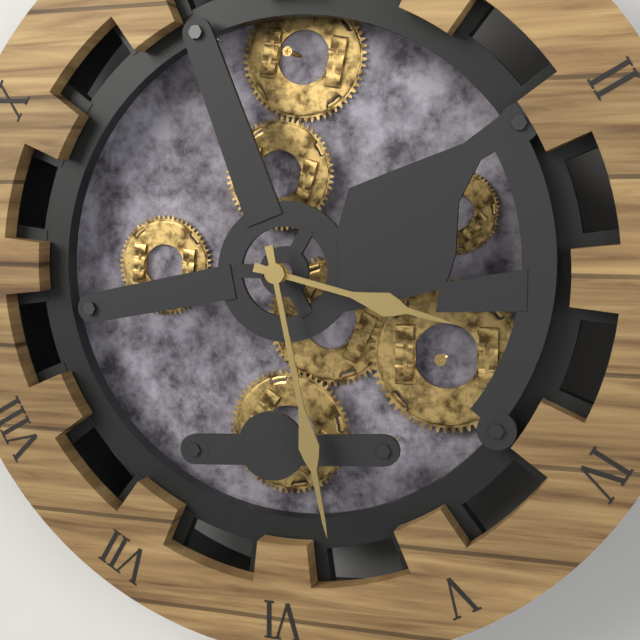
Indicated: 3 h 28 min
